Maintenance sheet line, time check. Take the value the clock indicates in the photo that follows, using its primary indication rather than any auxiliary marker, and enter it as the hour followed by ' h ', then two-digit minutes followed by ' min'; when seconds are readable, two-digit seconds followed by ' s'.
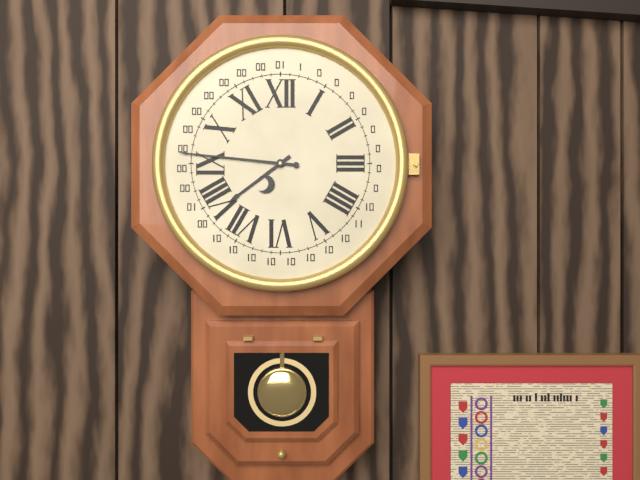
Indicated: 7 h 46 min
